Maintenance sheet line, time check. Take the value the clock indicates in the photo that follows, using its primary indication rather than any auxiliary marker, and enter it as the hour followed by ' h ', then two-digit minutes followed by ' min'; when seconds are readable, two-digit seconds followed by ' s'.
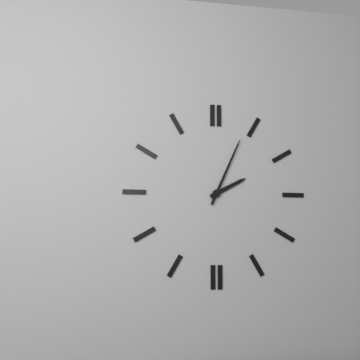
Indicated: 2 h 04 min
